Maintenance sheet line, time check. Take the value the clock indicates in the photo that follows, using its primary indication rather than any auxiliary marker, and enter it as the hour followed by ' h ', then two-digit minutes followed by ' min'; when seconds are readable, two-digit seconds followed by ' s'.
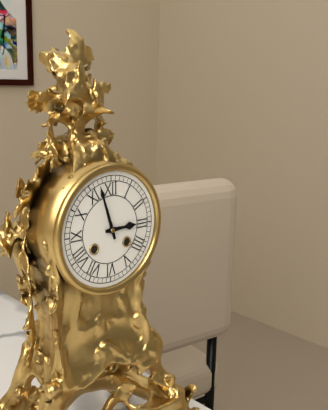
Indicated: 2 h 57 min
